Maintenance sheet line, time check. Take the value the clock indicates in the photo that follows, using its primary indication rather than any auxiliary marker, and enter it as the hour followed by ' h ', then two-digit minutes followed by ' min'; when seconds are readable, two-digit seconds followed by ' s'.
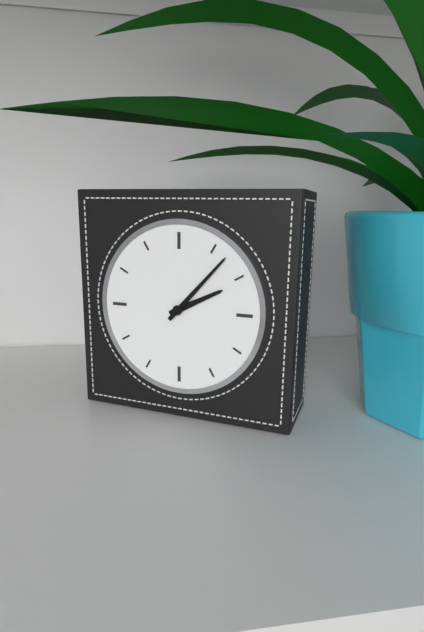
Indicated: 2 h 07 min
